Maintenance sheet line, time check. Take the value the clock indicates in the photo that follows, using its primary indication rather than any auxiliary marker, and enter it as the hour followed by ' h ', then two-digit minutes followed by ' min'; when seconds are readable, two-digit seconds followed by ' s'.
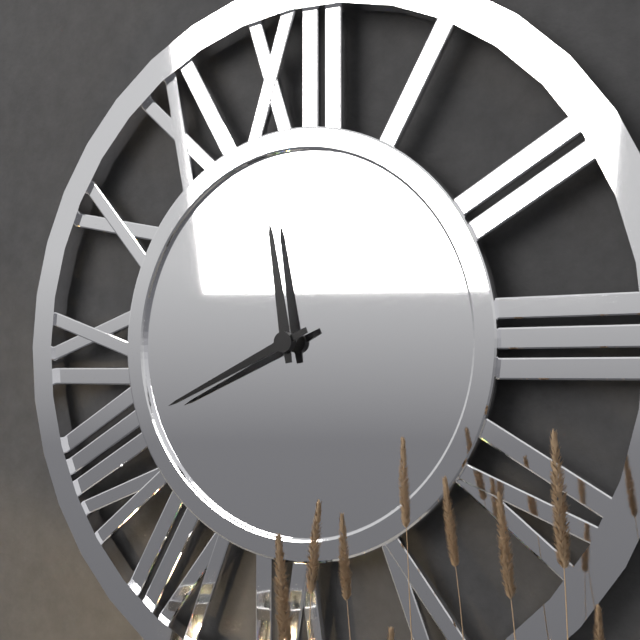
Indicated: 11 h 41 min
